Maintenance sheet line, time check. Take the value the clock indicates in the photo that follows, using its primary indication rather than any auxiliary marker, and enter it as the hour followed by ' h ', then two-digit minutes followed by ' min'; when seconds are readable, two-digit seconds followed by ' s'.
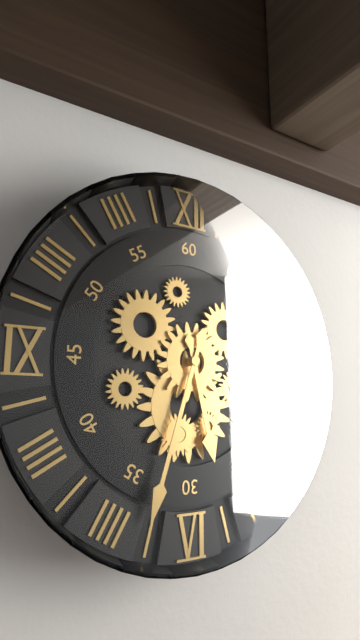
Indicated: 5 h 33 min
